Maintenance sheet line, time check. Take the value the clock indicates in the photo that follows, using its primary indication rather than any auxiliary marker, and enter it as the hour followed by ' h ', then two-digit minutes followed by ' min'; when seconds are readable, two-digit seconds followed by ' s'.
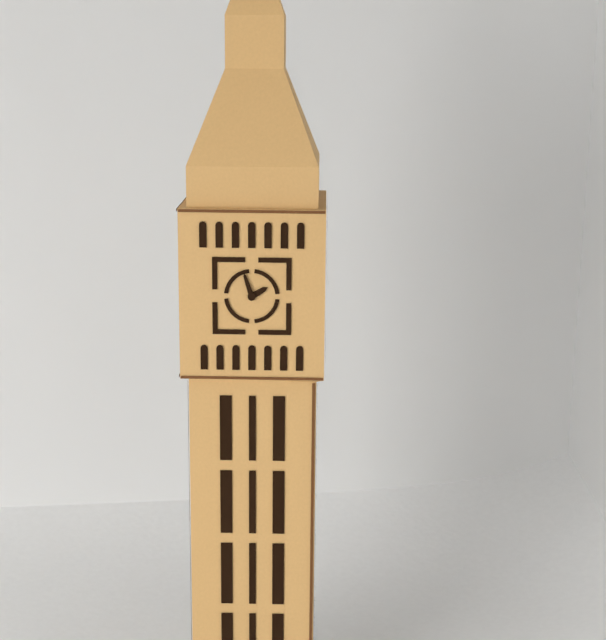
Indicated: 1 h 57 min
